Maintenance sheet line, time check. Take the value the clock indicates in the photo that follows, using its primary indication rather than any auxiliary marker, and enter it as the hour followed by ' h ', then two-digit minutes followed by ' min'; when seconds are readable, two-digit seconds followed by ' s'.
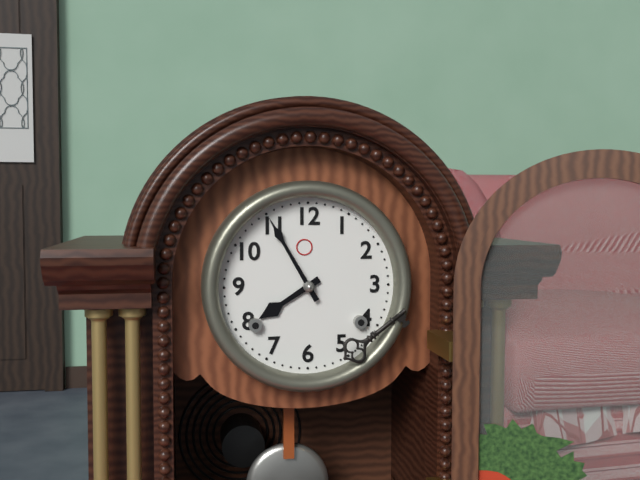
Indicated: 7 h 55 min
